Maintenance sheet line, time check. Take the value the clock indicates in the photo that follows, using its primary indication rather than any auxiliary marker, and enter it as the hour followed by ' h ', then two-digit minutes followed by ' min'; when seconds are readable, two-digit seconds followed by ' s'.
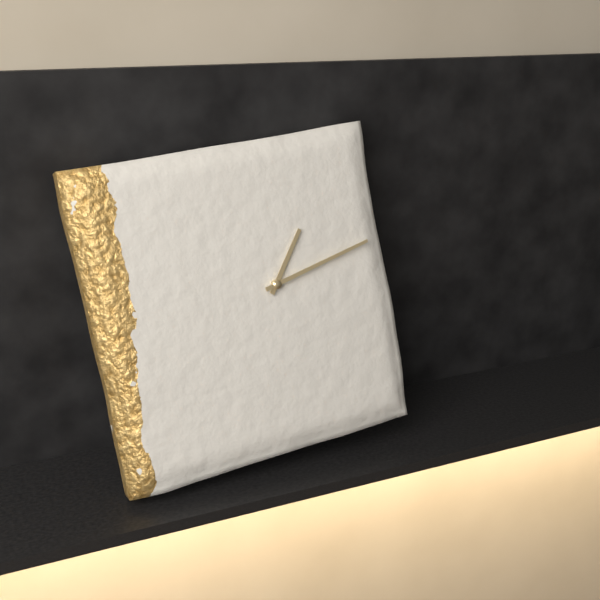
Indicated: 1 h 13 min
